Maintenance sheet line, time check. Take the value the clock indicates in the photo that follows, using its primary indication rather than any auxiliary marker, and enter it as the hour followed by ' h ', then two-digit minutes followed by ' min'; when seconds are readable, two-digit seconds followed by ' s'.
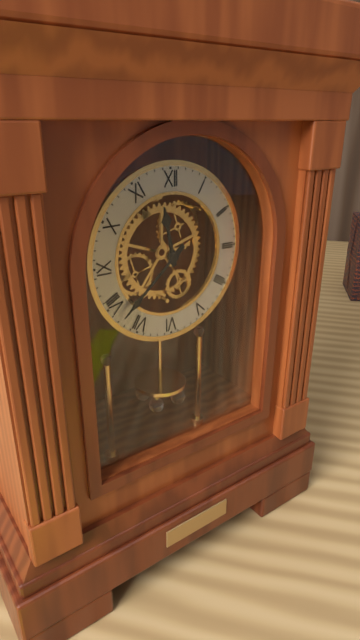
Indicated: 11 h 38 min
